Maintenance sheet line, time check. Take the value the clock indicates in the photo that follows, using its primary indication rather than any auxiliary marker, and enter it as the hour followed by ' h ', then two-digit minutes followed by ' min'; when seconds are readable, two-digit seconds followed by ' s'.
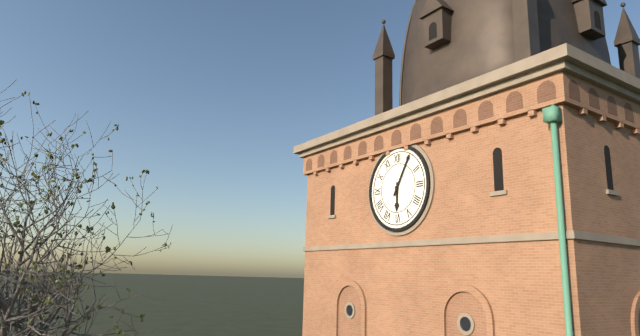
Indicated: 6 h 05 min
